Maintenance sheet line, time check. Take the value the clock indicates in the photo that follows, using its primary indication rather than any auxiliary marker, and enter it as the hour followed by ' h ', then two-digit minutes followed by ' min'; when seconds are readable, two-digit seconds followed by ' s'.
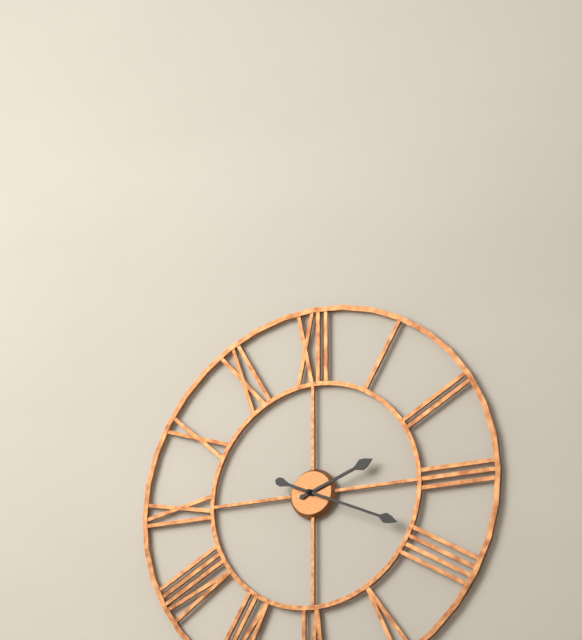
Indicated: 2 h 19 min
